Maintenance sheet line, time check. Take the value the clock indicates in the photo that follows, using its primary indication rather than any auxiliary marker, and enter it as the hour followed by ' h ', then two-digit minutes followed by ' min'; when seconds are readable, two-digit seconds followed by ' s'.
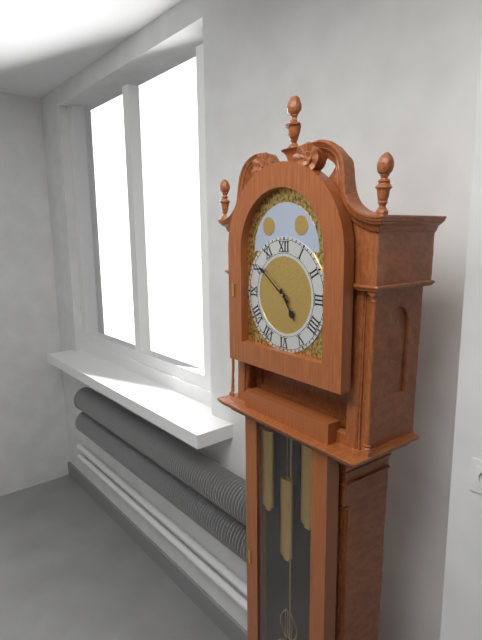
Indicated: 4 h 51 min
